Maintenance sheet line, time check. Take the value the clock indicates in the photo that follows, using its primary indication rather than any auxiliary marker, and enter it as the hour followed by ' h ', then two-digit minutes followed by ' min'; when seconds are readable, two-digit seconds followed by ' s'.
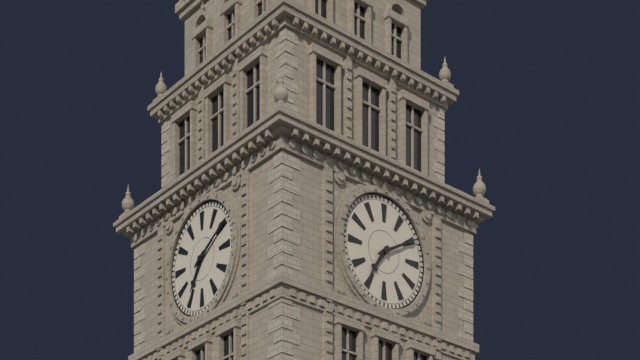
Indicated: 7 h 10 min
